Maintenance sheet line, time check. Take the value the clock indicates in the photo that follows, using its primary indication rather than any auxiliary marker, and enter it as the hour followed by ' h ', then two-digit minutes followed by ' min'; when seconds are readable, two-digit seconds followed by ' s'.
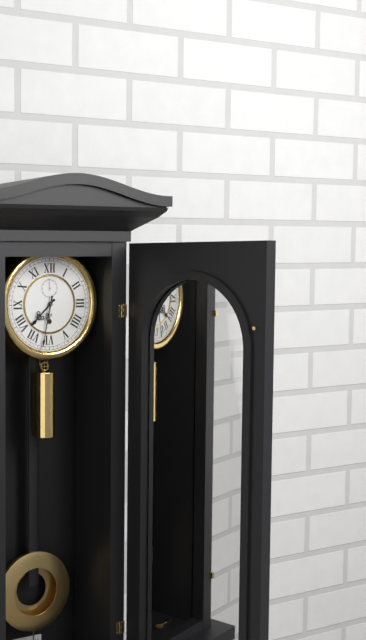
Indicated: 7 h 32 min
